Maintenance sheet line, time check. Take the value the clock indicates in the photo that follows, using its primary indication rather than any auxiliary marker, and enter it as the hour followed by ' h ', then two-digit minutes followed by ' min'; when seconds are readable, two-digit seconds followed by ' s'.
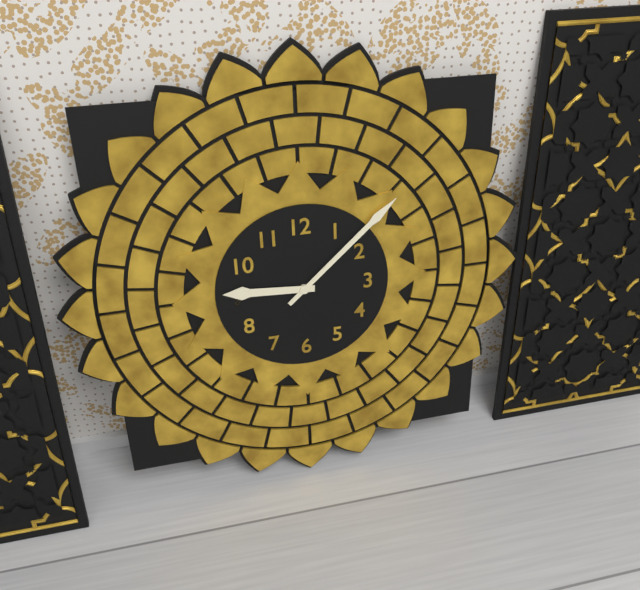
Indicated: 9 h 08 min
